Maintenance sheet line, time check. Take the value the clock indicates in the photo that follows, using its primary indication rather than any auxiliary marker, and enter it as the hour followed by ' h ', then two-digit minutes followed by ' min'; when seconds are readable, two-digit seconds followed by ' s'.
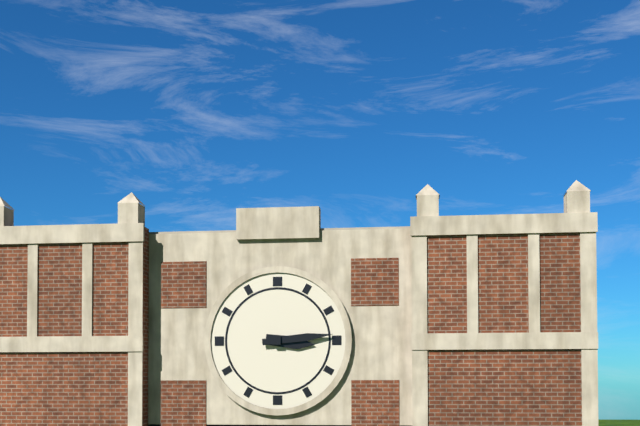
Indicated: 3 h 14 min
